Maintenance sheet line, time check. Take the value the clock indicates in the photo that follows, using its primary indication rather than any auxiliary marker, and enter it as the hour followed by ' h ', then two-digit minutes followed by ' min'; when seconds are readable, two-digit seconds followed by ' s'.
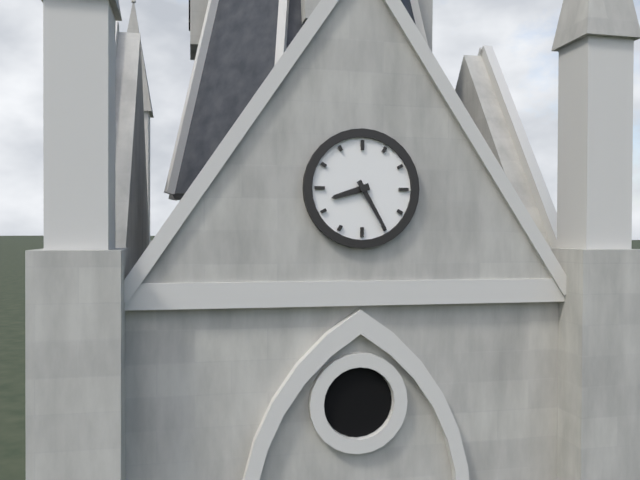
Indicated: 8 h 25 min
